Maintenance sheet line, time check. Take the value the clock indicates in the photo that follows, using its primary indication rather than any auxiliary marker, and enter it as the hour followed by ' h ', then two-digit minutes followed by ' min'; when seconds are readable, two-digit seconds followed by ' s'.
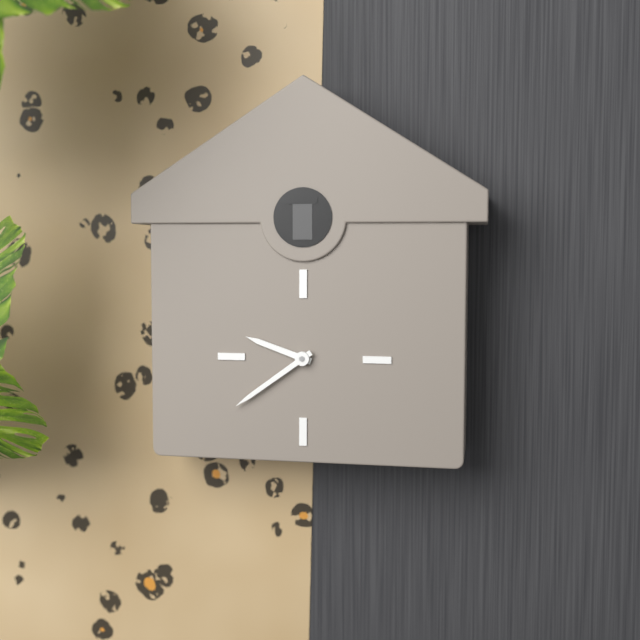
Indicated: 9 h 39 min
